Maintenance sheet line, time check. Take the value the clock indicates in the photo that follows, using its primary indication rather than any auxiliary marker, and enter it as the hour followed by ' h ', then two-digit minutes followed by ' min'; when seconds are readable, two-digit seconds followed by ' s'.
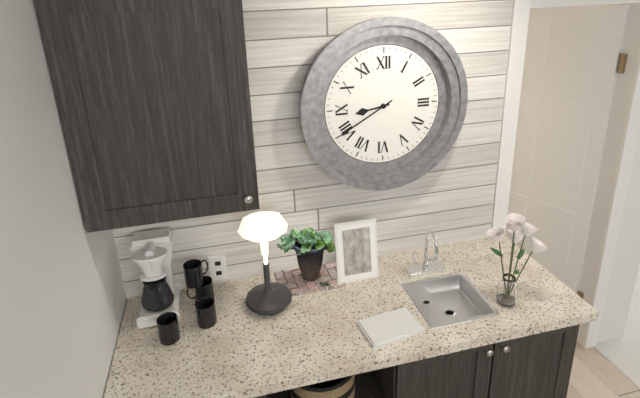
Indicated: 8 h 40 min
